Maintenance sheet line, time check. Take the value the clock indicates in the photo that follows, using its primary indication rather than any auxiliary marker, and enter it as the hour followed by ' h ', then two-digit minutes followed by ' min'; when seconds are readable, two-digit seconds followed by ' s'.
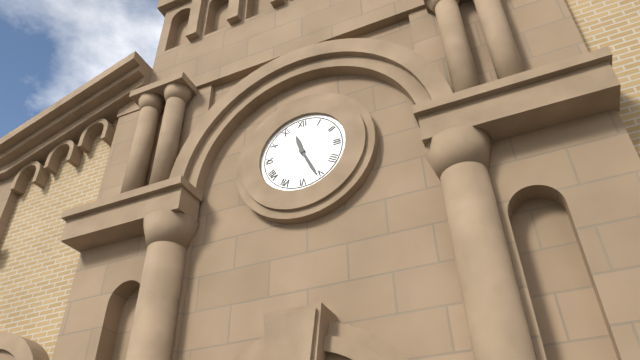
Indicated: 11 h 26 min
